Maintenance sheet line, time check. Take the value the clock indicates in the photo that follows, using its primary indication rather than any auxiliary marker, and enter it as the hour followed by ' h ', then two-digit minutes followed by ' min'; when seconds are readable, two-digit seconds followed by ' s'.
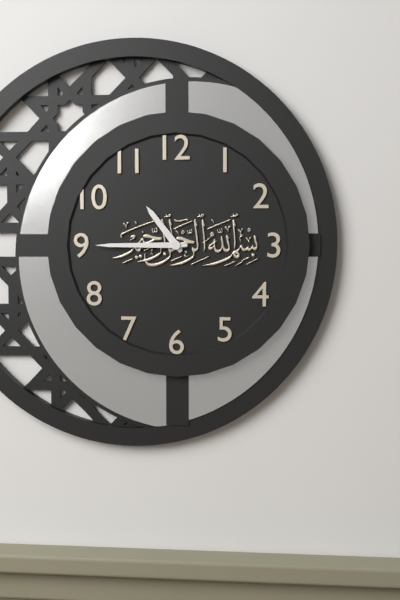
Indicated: 10 h 45 min
